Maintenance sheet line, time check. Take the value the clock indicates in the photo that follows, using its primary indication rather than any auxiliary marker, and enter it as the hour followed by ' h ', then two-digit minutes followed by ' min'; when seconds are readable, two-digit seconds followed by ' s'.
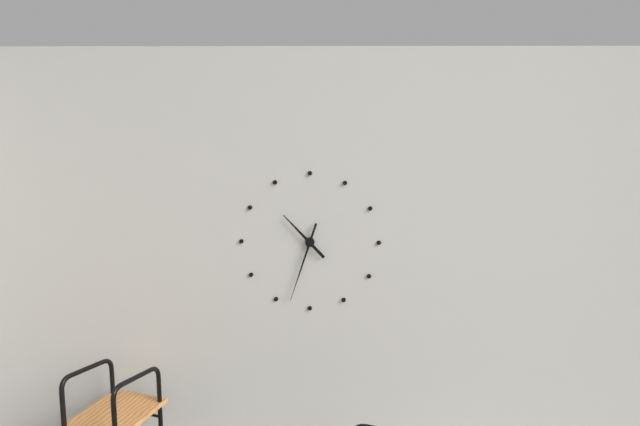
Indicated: 10 h 33 min
